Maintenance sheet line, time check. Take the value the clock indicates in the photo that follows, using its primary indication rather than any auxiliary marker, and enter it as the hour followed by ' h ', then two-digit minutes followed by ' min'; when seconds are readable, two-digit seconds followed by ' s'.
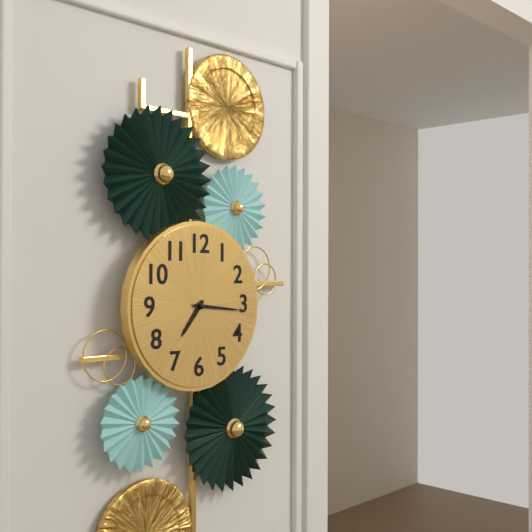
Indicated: 7 h 16 min
